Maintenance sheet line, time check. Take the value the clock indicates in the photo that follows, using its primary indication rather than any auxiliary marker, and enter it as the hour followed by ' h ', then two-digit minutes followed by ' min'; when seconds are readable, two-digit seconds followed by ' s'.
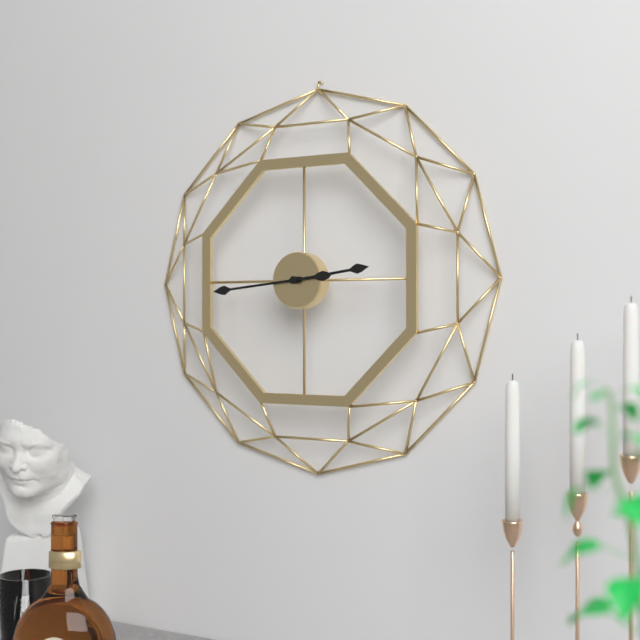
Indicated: 2 h 44 min
